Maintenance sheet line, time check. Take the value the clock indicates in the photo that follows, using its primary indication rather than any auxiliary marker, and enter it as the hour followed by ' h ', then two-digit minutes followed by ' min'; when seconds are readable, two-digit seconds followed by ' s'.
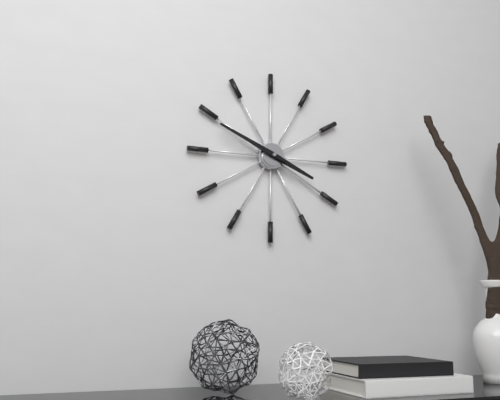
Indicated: 3 h 49 min
